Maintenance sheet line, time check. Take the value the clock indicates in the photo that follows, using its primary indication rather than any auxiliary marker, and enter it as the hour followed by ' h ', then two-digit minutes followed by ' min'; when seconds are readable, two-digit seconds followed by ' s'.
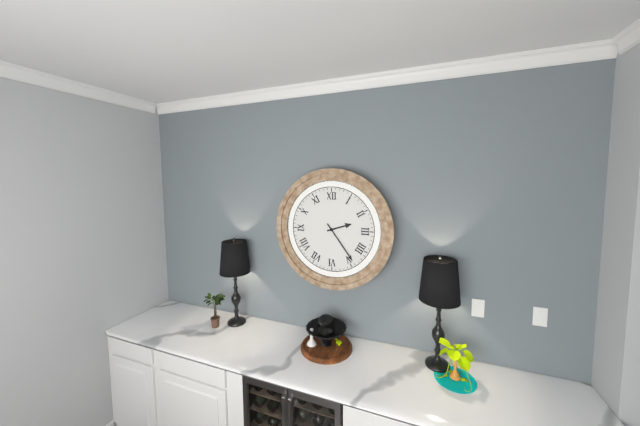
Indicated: 2 h 24 min
